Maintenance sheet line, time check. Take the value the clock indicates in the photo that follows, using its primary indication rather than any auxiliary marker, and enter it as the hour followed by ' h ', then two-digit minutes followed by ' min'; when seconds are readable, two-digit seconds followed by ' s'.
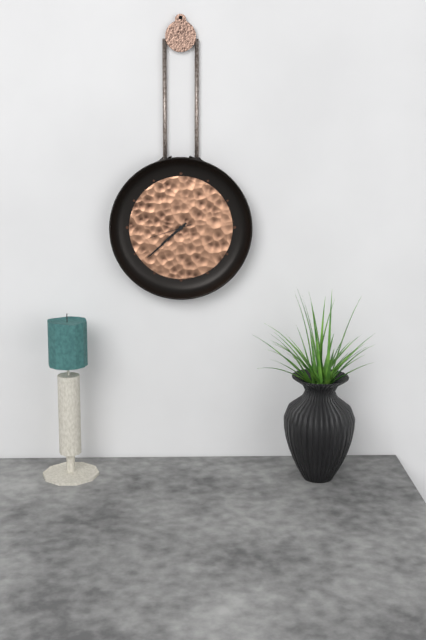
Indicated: 7 h 38 min
